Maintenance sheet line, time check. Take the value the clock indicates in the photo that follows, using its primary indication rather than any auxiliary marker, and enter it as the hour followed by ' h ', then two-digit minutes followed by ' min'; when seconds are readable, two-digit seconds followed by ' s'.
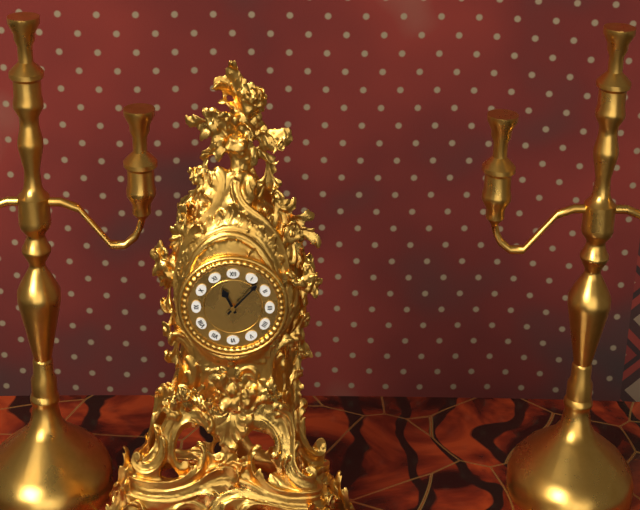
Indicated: 11 h 07 min
